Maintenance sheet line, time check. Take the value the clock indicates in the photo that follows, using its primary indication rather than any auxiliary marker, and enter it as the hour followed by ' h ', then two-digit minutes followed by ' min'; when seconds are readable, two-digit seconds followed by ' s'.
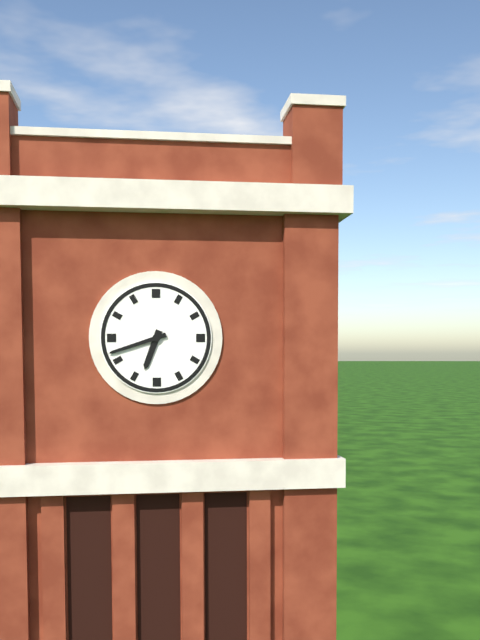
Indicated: 6 h 42 min
